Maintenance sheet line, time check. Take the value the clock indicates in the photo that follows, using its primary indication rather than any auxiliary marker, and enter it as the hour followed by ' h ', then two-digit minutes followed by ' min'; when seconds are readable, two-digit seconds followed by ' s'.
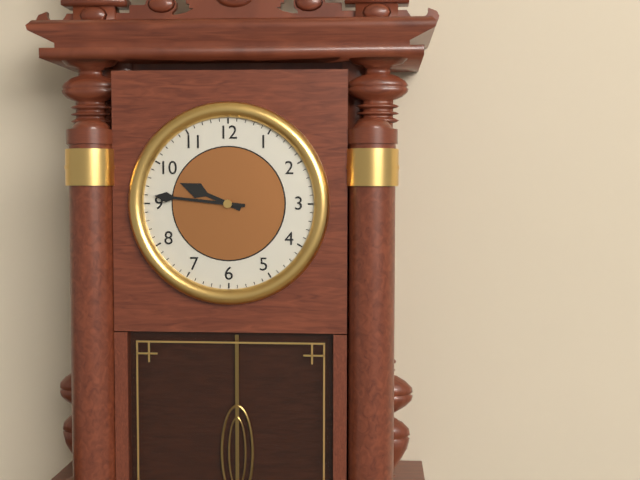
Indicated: 9 h 46 min
